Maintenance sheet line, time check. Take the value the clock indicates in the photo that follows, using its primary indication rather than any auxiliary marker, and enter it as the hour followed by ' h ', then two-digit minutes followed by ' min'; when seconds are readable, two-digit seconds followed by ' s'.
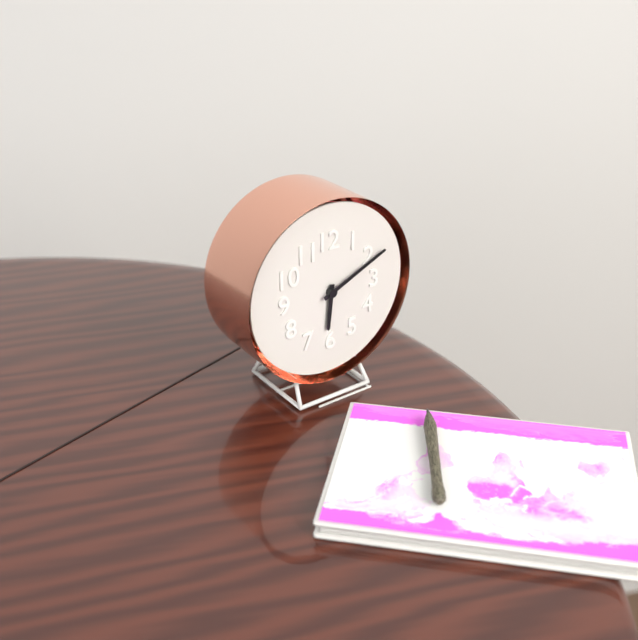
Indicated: 6 h 11 min
